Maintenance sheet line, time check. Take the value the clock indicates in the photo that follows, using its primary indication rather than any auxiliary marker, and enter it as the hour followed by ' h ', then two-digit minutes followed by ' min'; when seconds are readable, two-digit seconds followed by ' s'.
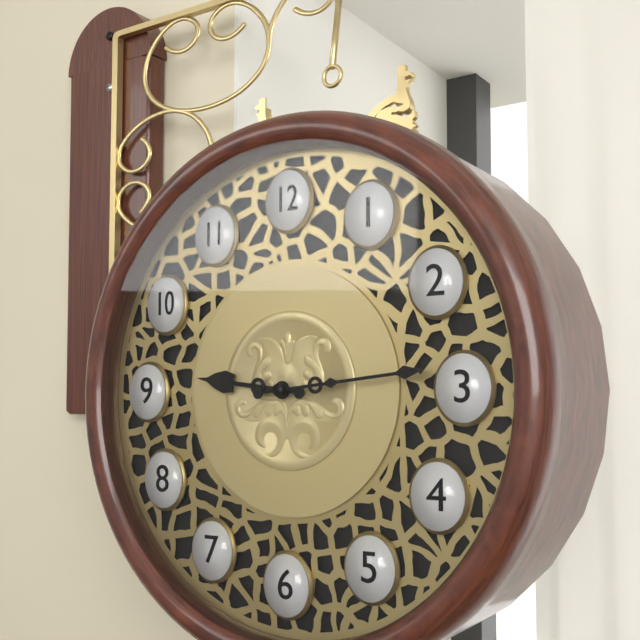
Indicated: 9 h 14 min
